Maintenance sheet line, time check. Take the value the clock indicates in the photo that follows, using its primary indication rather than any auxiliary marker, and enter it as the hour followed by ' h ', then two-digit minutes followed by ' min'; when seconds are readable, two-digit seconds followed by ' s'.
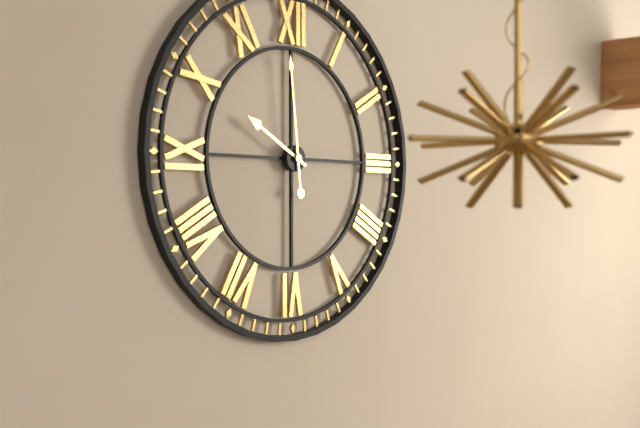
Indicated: 9 h 59 min
